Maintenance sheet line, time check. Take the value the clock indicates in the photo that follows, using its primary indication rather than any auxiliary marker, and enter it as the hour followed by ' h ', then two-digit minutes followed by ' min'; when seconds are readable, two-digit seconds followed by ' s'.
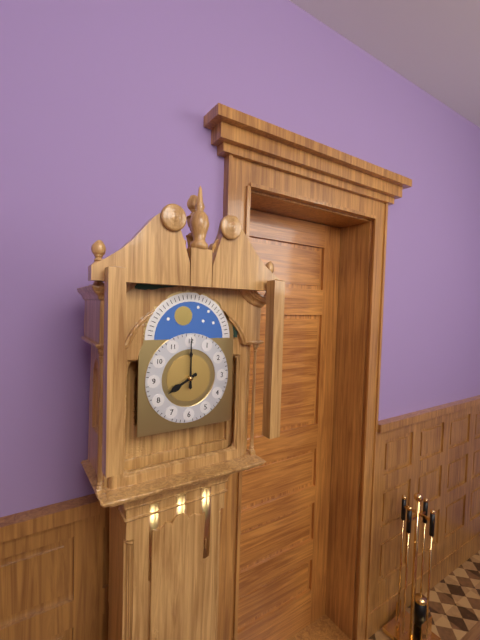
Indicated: 8 h 00 min
